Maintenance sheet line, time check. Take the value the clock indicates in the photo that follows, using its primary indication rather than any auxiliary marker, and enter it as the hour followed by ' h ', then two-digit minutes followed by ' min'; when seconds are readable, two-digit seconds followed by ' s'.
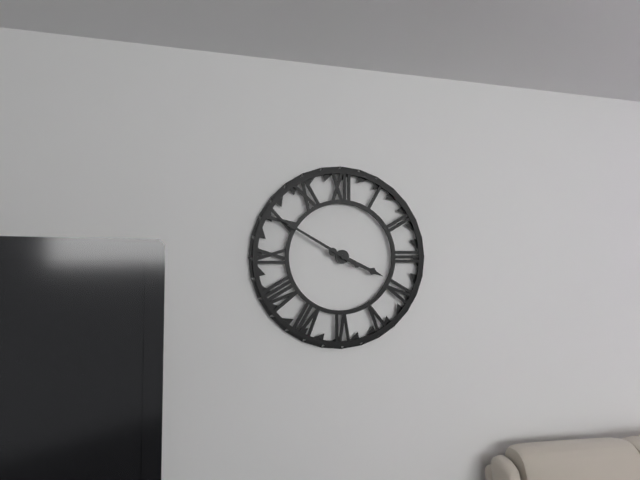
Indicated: 3 h 50 min
